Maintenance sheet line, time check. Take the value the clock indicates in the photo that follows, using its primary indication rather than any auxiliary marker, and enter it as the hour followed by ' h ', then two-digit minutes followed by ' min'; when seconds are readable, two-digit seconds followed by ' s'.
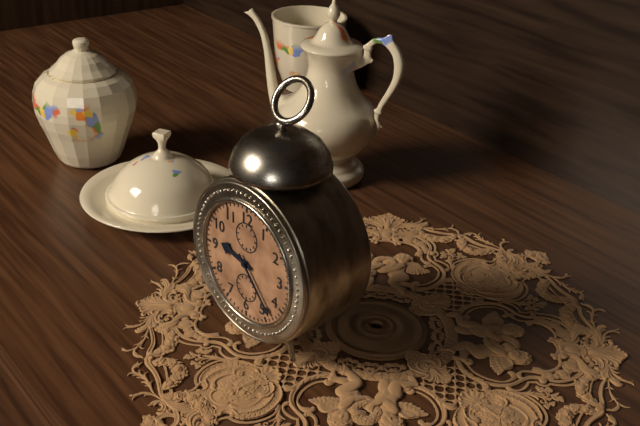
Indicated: 9 h 23 min
